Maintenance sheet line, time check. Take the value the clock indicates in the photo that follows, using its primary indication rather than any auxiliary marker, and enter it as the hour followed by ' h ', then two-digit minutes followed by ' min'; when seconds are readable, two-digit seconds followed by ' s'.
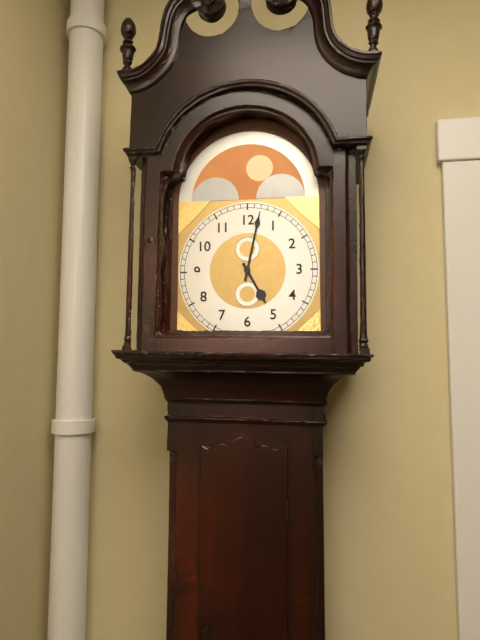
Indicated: 5 h 02 min
